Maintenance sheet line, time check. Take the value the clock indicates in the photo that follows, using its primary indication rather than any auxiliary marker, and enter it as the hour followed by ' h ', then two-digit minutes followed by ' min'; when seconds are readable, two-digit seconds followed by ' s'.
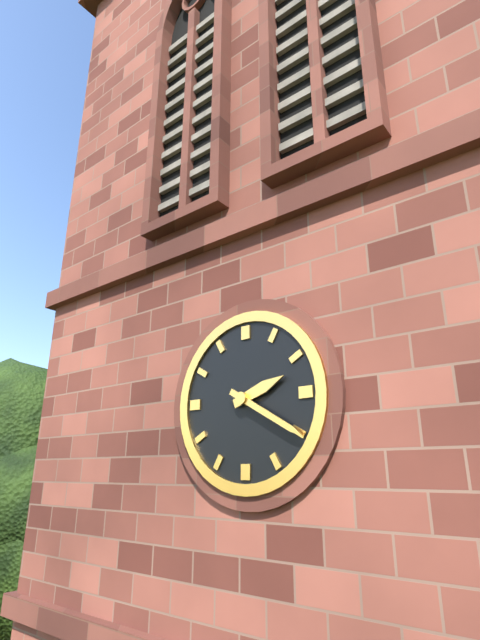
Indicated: 2 h 20 min
